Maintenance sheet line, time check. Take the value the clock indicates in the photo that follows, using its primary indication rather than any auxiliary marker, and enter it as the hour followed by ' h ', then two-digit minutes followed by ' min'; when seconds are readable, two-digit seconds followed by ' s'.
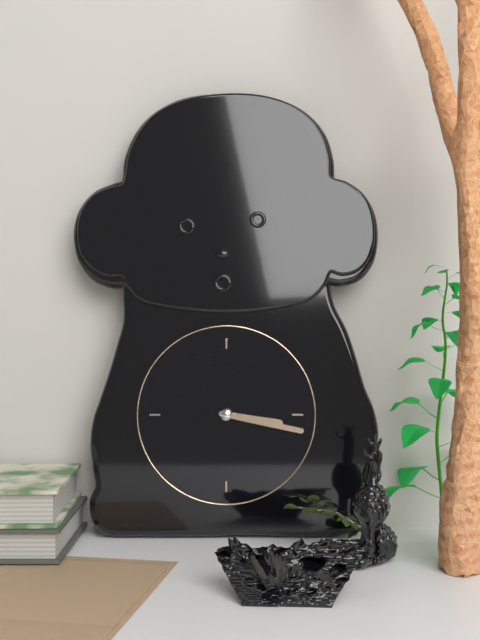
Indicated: 3 h 17 min
